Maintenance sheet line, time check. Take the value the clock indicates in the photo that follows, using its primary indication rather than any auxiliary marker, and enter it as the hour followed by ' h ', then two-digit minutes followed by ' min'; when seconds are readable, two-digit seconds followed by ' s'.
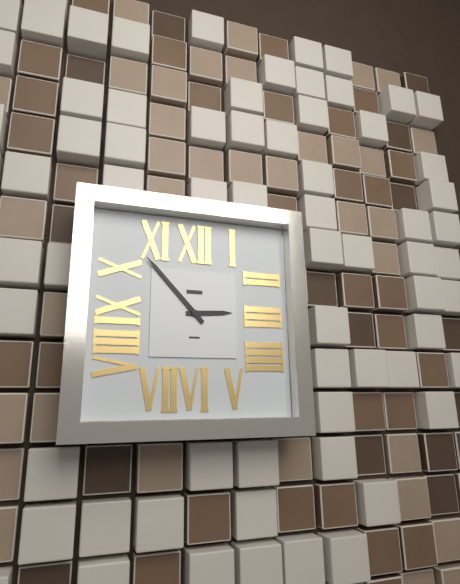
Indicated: 2 h 53 min
